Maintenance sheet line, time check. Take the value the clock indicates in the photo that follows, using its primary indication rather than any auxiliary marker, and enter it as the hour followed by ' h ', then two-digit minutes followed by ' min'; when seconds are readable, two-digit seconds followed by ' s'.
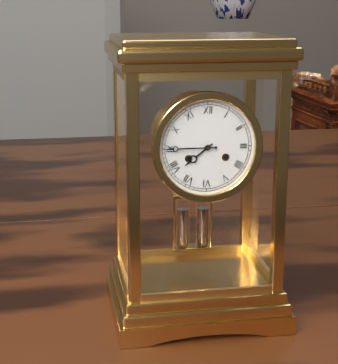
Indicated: 7 h 45 min
